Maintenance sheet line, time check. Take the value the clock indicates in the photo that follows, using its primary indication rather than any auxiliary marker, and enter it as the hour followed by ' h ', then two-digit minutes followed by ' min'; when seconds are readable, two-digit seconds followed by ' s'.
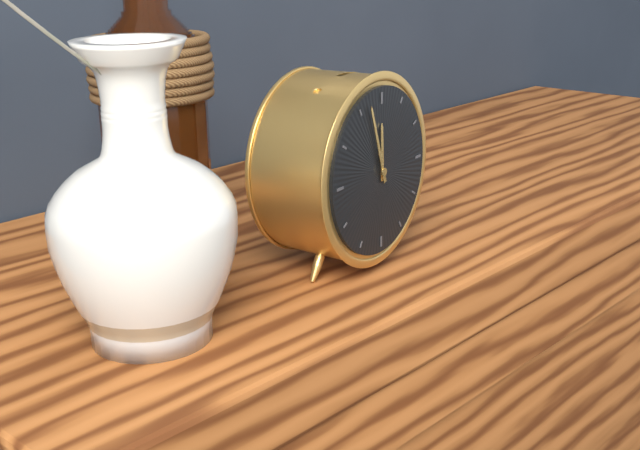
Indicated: 11 h 57 min
